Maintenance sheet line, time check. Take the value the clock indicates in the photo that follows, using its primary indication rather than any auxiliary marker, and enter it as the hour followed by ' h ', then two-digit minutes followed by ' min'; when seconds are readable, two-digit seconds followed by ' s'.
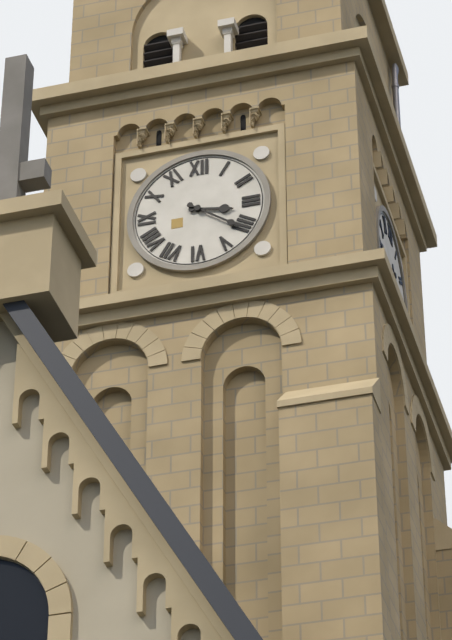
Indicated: 3 h 21 min
